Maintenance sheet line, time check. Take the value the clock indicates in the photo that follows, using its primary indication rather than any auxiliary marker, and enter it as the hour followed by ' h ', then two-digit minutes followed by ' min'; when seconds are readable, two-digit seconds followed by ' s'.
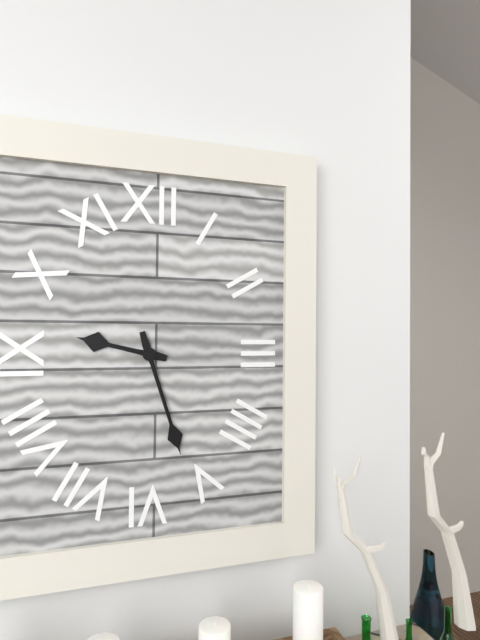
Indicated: 9 h 27 min
